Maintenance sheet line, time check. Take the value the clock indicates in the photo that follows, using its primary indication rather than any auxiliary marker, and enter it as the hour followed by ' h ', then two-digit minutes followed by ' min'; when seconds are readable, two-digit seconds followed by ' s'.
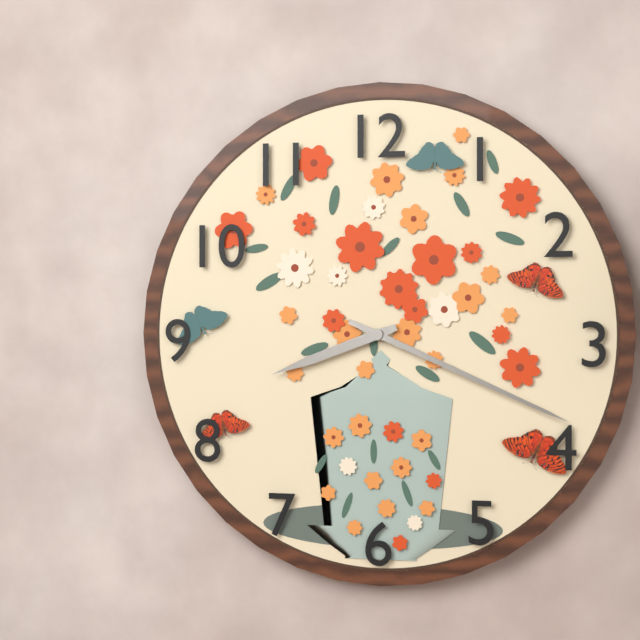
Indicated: 8 h 19 min
